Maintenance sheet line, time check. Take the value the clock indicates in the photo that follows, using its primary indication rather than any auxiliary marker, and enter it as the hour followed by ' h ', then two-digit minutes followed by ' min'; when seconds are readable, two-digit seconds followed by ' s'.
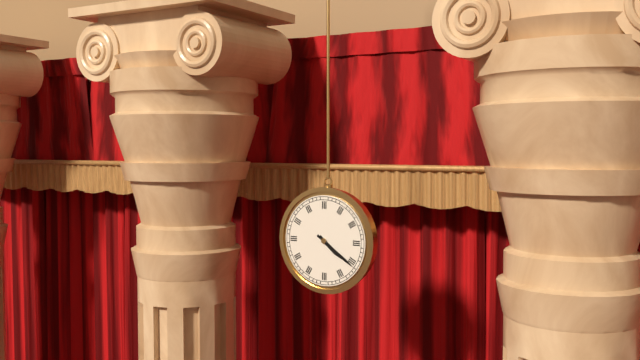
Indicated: 4 h 21 min
